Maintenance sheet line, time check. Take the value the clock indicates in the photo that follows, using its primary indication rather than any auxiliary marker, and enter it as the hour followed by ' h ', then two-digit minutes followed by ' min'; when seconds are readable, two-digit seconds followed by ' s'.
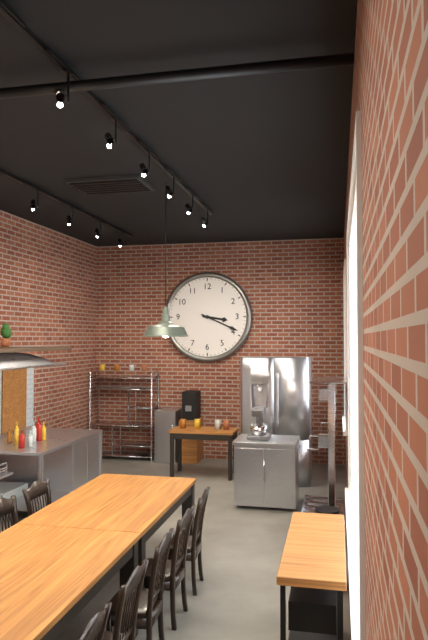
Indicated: 3 h 19 min
